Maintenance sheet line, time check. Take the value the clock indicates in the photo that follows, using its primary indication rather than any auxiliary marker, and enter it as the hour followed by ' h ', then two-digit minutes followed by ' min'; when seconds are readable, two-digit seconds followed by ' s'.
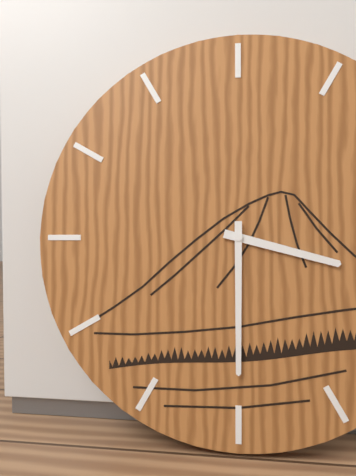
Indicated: 3 h 30 min
